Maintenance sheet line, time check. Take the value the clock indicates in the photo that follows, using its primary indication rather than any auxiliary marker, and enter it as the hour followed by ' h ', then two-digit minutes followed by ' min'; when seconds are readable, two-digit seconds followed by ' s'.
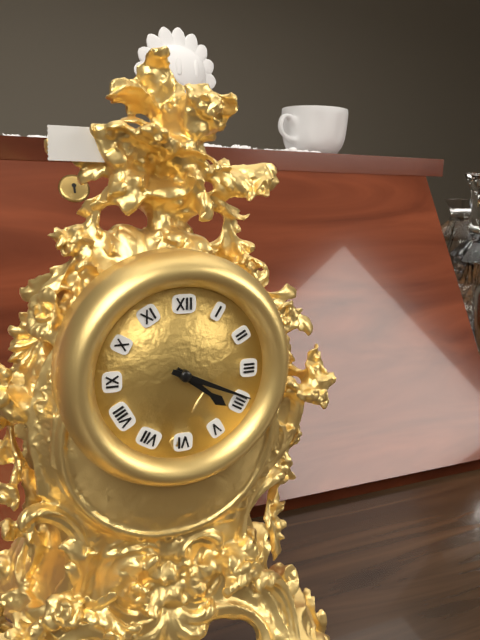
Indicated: 4 h 19 min
